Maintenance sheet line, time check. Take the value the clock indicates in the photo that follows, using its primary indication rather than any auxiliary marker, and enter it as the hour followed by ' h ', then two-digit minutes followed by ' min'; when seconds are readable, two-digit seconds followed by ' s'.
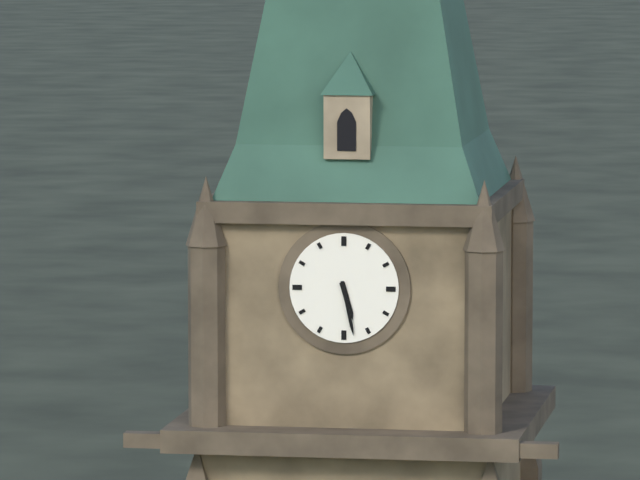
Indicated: 5 h 28 min
